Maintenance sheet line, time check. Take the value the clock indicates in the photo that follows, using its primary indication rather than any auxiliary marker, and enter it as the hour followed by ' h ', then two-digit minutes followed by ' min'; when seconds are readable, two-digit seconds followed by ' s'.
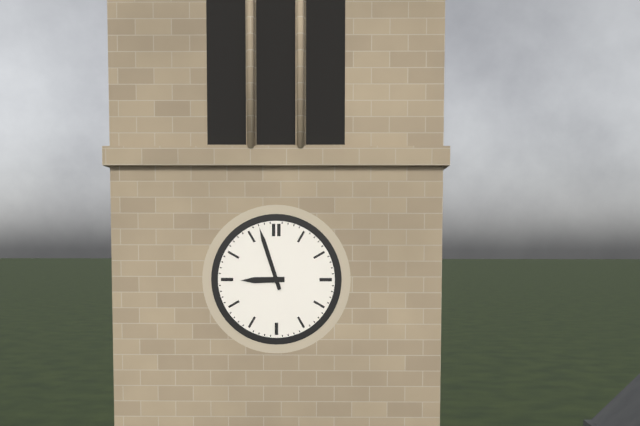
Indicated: 8 h 57 min
